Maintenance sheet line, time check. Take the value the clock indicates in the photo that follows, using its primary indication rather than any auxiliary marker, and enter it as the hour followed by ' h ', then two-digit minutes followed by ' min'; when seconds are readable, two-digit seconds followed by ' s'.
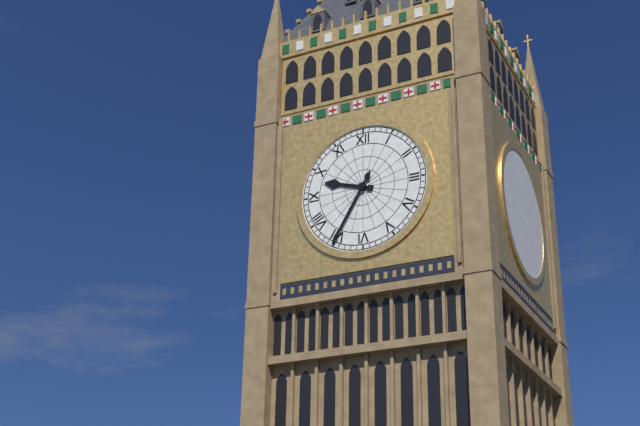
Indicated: 9 h 35 min
